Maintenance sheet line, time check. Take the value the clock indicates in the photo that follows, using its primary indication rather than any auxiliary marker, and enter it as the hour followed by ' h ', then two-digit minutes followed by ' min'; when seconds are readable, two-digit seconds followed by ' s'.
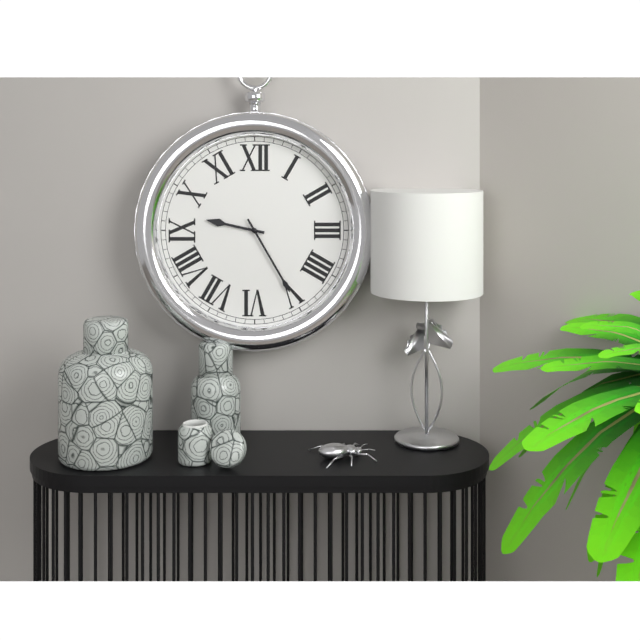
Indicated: 9 h 25 min
